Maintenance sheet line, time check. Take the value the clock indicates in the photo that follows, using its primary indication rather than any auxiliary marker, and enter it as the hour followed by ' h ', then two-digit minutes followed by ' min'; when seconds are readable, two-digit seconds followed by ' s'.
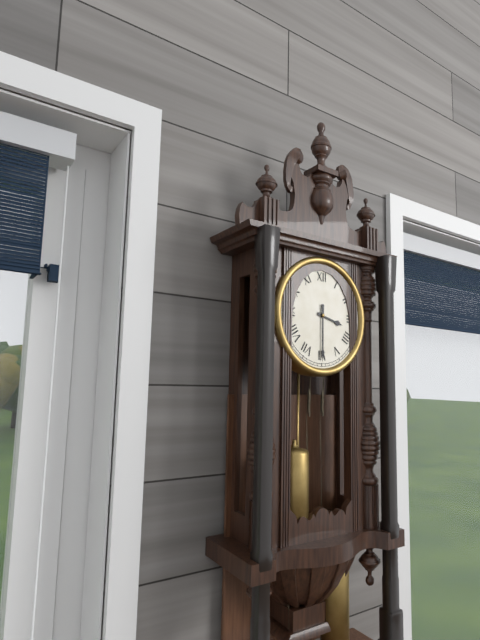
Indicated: 3 h 30 min
